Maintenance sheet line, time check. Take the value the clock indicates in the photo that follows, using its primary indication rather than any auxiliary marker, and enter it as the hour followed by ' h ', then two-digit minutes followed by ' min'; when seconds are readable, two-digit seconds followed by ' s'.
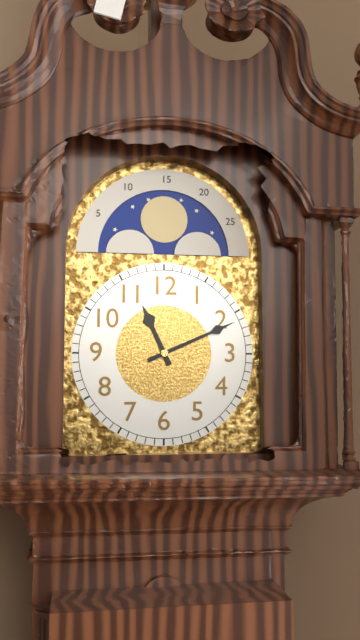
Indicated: 11 h 11 min
